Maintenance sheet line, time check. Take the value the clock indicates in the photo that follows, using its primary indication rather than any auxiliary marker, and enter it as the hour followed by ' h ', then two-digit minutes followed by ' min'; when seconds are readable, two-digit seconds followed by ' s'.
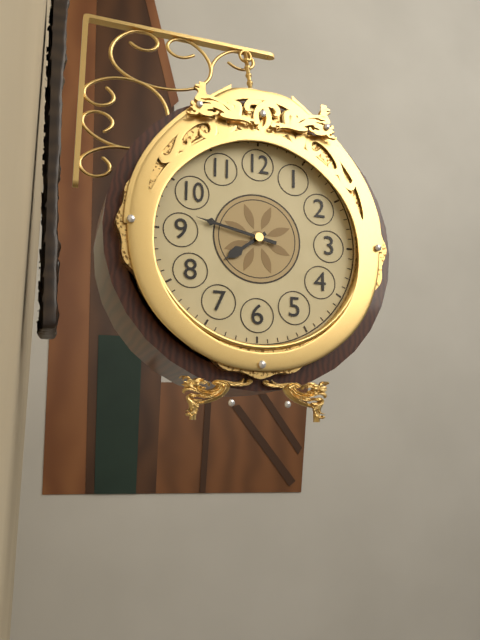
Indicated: 7 h 47 min
